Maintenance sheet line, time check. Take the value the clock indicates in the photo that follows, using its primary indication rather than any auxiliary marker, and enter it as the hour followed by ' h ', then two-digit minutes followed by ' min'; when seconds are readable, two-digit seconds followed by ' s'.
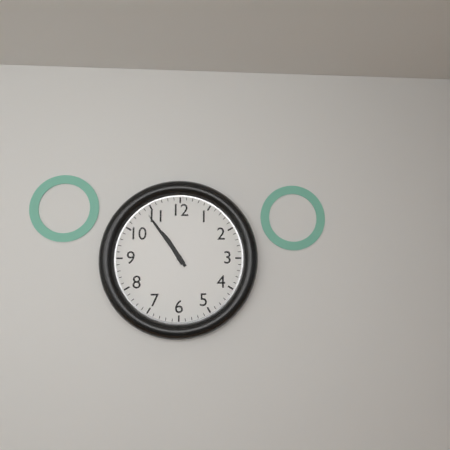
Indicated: 10 h 54 min
